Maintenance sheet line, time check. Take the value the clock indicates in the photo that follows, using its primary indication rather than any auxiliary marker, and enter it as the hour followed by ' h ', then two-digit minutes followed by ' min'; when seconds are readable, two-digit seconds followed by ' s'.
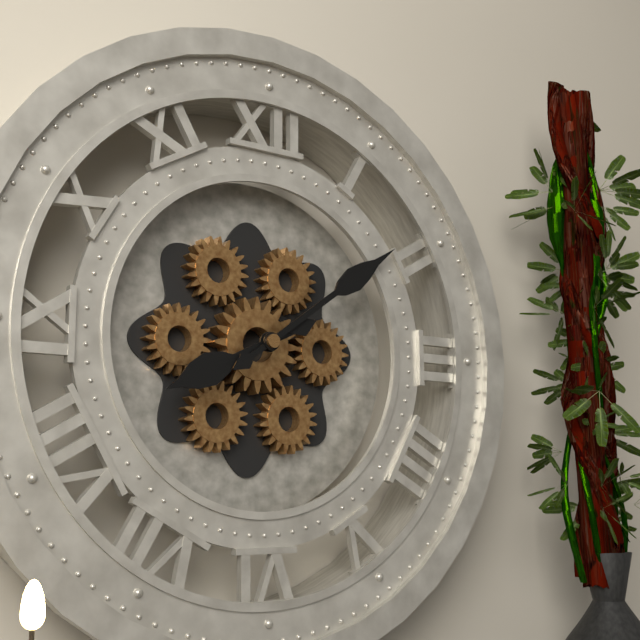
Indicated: 8 h 09 min
